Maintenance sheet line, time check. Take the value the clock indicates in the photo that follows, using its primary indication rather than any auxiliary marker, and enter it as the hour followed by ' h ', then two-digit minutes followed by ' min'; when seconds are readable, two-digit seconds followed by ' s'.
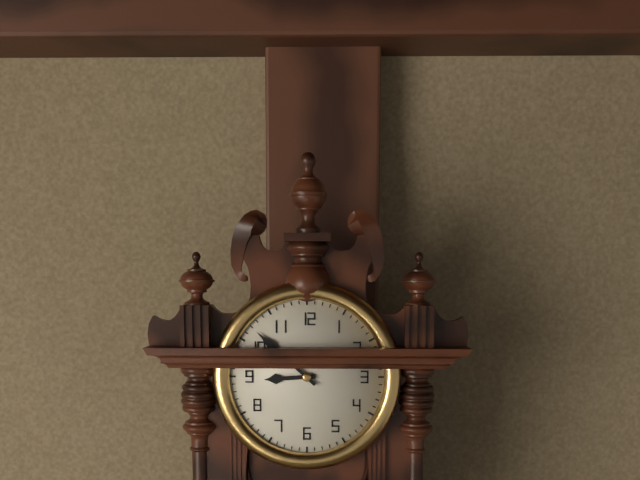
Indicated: 8 h 52 min
